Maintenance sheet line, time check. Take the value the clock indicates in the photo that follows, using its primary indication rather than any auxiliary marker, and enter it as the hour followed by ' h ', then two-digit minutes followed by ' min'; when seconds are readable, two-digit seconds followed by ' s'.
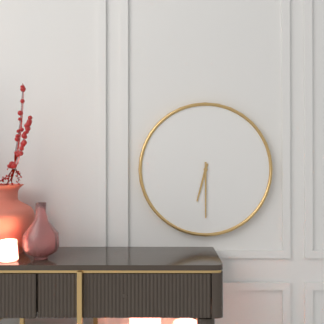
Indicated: 6 h 30 min
